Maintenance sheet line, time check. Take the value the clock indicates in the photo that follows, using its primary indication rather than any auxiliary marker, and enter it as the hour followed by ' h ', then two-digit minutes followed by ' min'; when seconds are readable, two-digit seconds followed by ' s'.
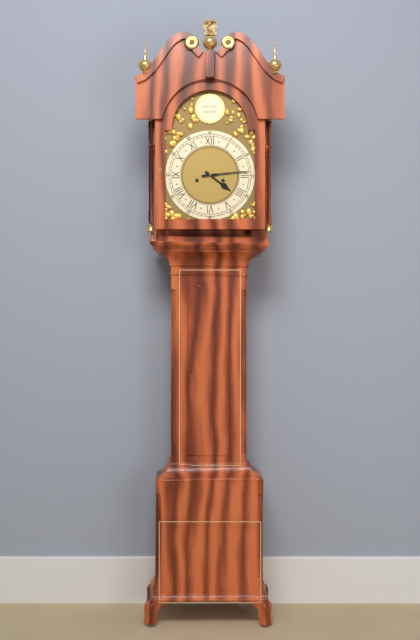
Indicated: 4 h 14 min
